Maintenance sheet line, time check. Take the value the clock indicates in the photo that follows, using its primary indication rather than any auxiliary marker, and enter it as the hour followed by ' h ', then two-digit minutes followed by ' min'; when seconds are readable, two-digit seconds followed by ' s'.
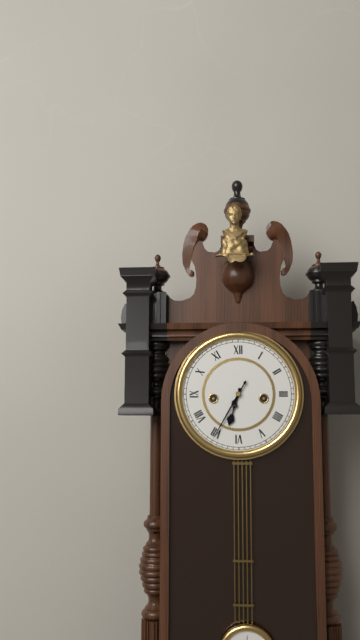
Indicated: 6 h 35 min
